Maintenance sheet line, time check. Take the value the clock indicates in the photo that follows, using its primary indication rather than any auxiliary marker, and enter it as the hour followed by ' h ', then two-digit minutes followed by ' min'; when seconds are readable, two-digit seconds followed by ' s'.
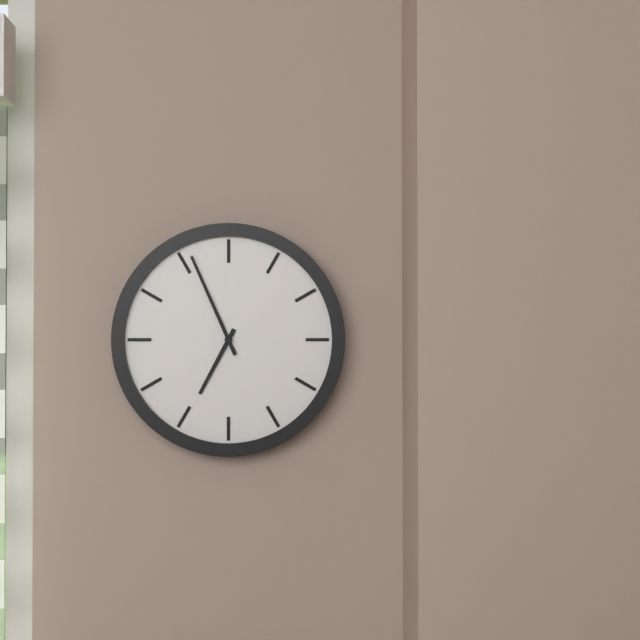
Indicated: 6 h 56 min
